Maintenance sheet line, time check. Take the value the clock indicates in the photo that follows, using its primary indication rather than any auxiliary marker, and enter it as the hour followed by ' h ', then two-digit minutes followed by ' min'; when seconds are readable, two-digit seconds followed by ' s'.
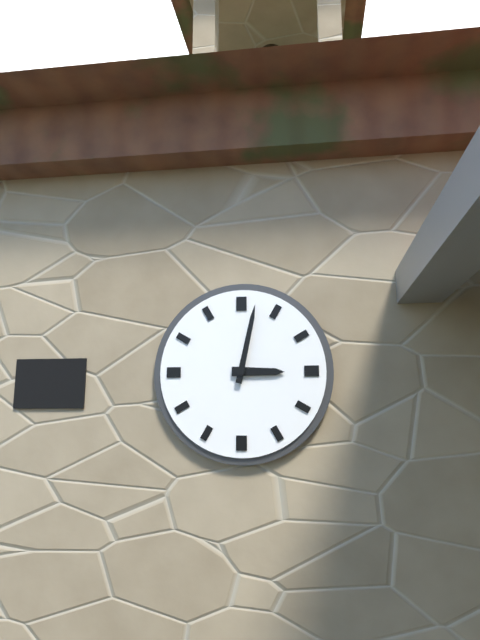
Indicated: 3 h 02 min
